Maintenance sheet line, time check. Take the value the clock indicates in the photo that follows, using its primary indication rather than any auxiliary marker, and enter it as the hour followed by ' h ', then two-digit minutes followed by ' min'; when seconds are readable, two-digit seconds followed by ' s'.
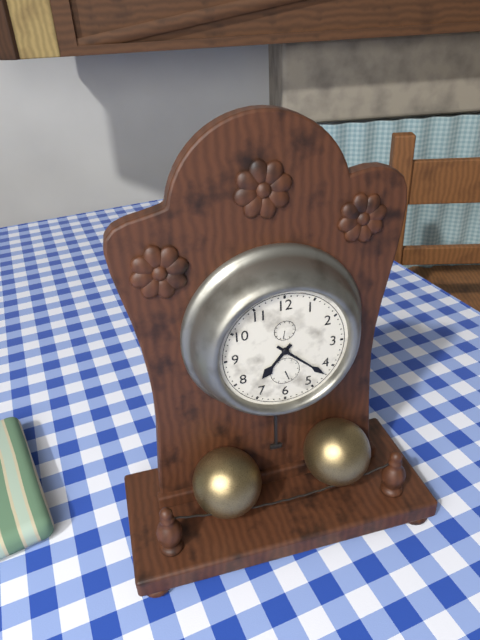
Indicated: 7 h 22 min
